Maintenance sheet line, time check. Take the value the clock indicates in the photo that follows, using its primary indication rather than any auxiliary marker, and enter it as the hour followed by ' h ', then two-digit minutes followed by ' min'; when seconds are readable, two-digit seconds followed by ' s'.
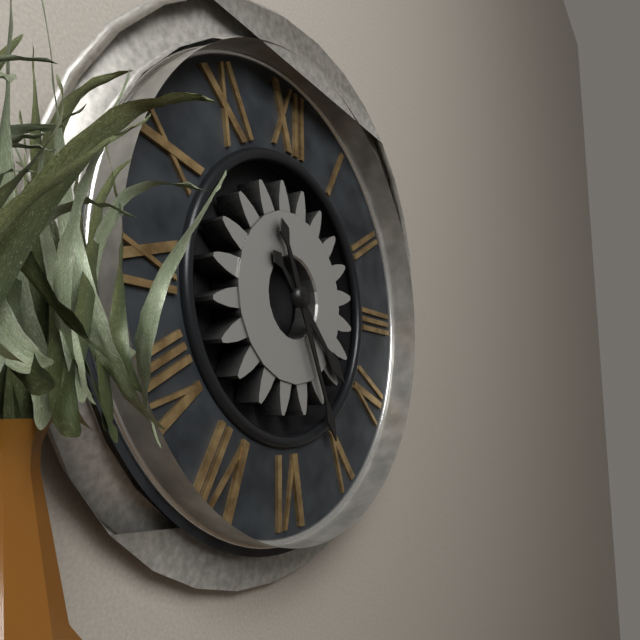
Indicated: 4 h 26 min
